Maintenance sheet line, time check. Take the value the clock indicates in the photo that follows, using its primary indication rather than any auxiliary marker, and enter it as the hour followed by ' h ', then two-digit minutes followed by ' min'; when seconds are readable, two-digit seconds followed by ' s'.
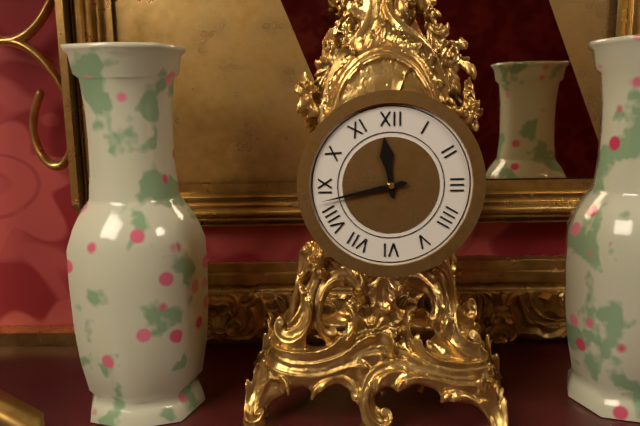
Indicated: 11 h 43 min
